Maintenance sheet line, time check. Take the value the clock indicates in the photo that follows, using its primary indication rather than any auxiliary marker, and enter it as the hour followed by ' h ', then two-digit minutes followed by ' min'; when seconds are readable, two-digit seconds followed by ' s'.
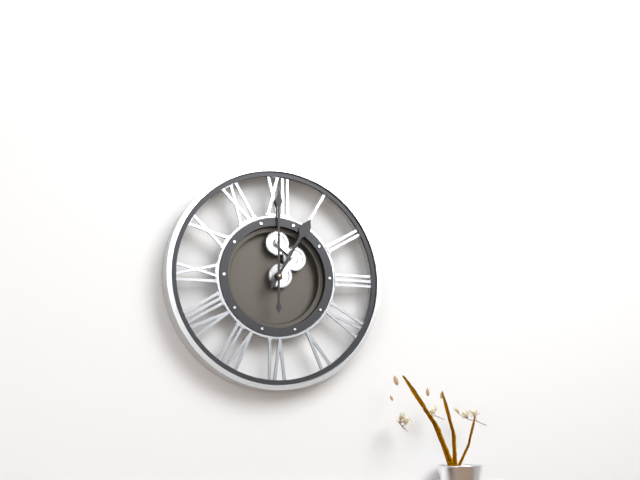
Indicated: 1 h 00 min
